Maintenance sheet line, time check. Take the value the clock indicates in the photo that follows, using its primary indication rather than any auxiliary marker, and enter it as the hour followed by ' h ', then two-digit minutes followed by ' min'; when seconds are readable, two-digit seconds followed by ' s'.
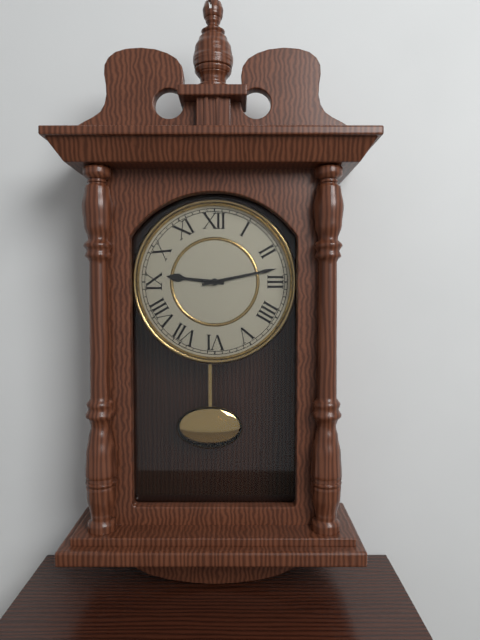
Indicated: 9 h 13 min
